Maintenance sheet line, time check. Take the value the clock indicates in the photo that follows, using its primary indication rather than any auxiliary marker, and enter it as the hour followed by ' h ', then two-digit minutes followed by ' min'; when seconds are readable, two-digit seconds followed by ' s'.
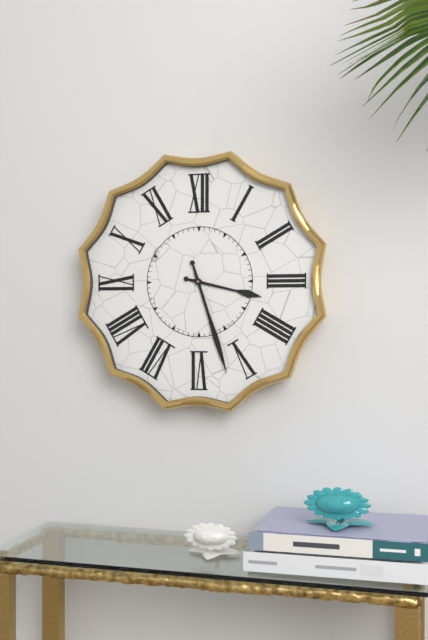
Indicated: 3 h 27 min
